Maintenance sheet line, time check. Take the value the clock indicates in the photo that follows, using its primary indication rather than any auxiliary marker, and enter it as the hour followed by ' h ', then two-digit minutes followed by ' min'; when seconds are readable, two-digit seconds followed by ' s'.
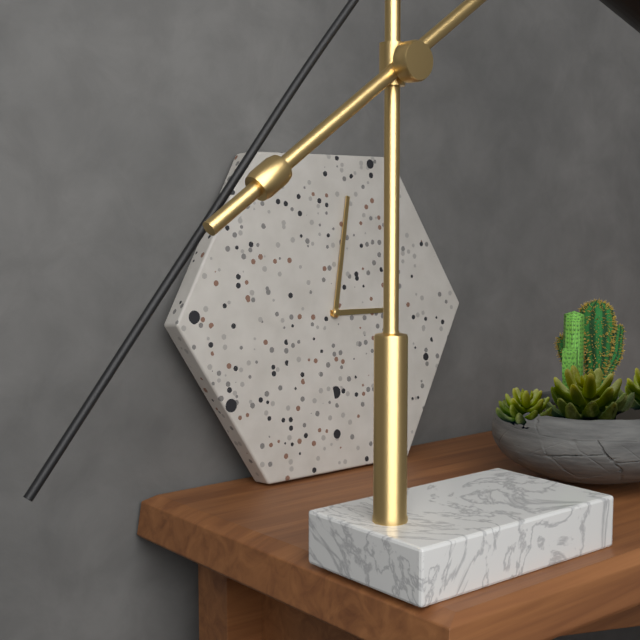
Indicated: 3 h 02 min
